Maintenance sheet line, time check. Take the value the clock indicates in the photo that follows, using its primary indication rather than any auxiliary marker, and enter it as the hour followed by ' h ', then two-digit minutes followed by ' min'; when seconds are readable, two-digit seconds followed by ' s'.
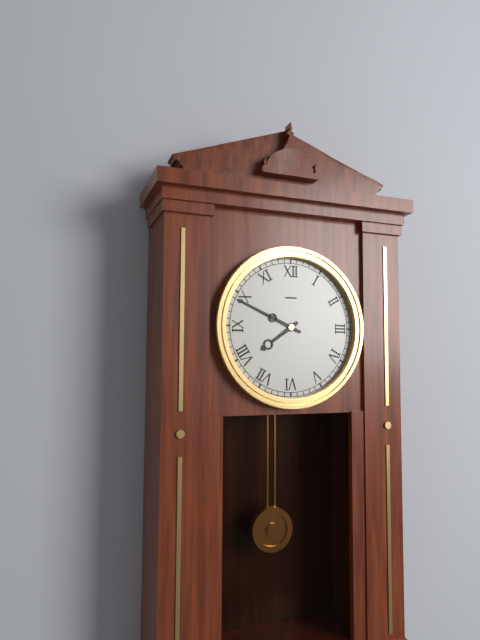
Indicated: 7 h 49 min
